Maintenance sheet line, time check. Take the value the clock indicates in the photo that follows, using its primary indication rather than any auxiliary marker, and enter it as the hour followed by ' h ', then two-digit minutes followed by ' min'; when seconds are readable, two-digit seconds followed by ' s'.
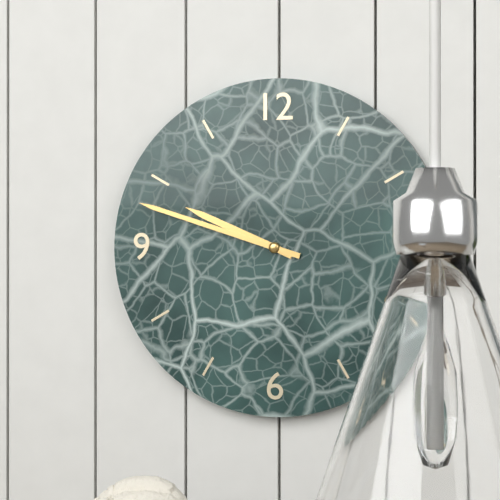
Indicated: 9 h 48 min
